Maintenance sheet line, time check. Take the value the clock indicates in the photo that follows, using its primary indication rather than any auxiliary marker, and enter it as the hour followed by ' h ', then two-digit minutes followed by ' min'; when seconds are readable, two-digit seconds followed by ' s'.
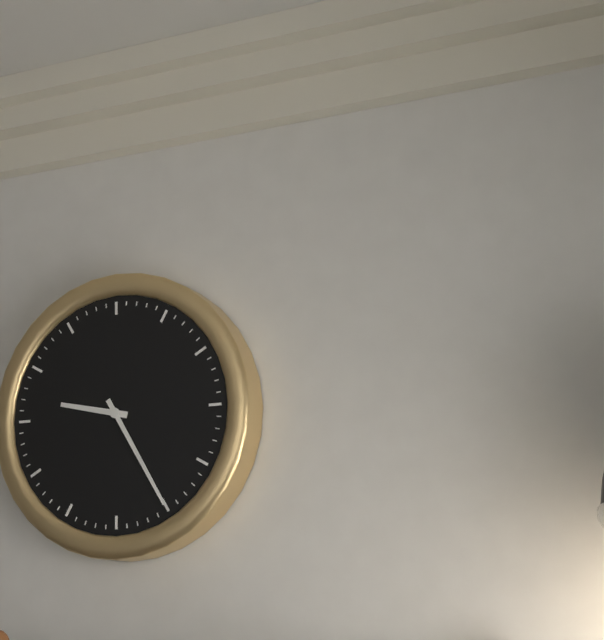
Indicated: 9 h 25 min
